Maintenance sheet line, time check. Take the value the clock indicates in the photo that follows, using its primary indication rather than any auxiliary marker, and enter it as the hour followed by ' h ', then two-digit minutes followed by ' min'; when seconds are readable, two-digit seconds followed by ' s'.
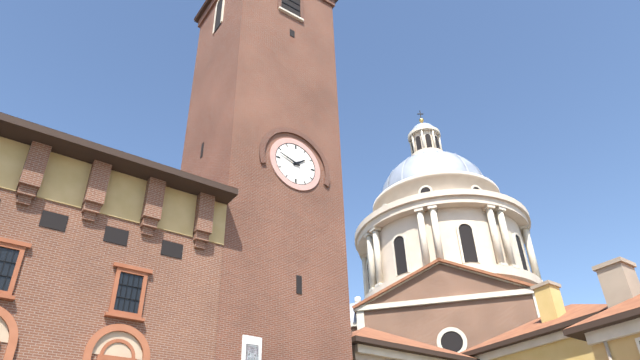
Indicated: 1 h 48 min
